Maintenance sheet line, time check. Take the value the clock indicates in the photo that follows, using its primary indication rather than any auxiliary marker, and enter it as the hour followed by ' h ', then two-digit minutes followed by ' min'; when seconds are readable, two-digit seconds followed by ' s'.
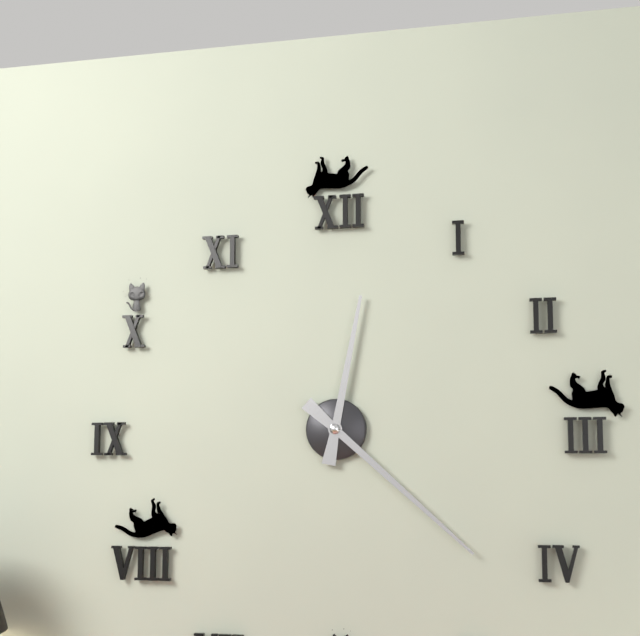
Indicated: 12 h 22 min
